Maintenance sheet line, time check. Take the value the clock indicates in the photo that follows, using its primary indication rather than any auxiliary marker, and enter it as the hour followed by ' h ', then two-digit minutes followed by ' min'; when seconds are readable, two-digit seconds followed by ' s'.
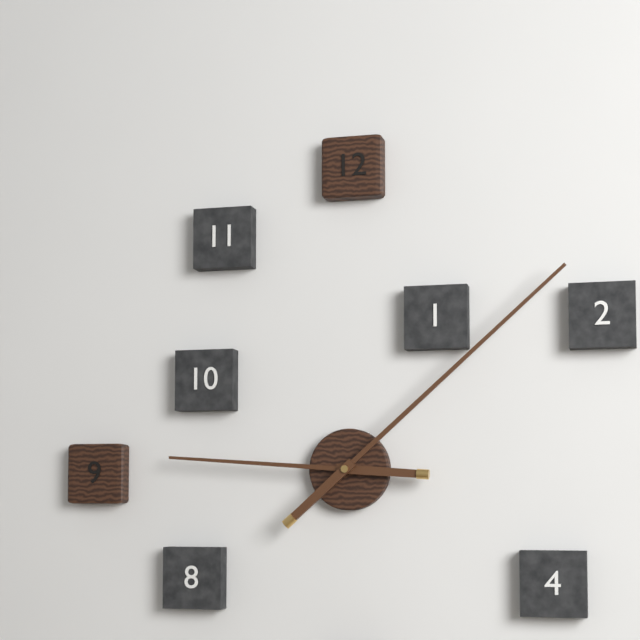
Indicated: 9 h 08 min
